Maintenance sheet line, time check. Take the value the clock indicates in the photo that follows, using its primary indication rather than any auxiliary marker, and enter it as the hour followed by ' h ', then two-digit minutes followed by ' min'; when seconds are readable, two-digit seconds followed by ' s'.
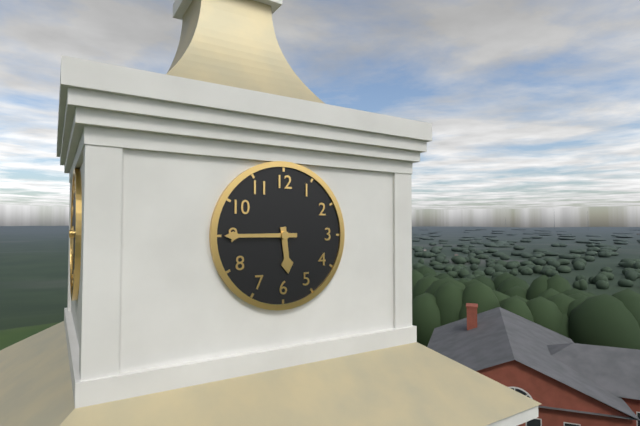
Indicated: 5 h 45 min
